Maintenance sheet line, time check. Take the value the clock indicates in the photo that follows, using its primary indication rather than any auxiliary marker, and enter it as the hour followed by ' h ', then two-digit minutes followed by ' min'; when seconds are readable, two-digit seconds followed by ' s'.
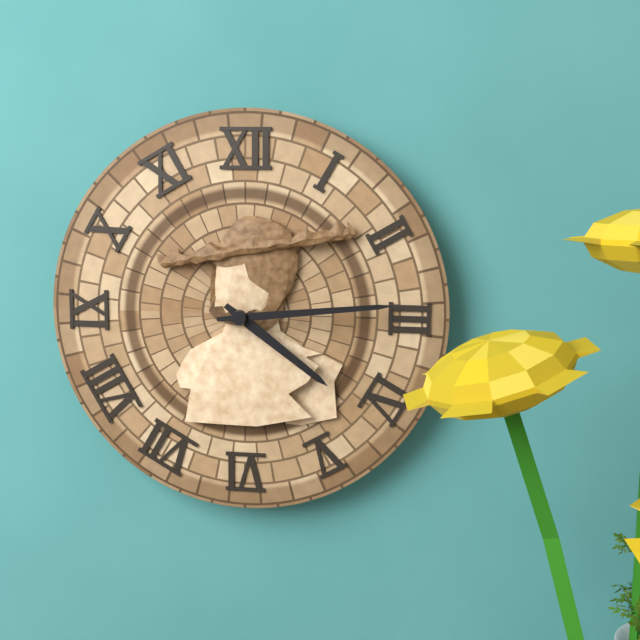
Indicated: 4 h 14 min
